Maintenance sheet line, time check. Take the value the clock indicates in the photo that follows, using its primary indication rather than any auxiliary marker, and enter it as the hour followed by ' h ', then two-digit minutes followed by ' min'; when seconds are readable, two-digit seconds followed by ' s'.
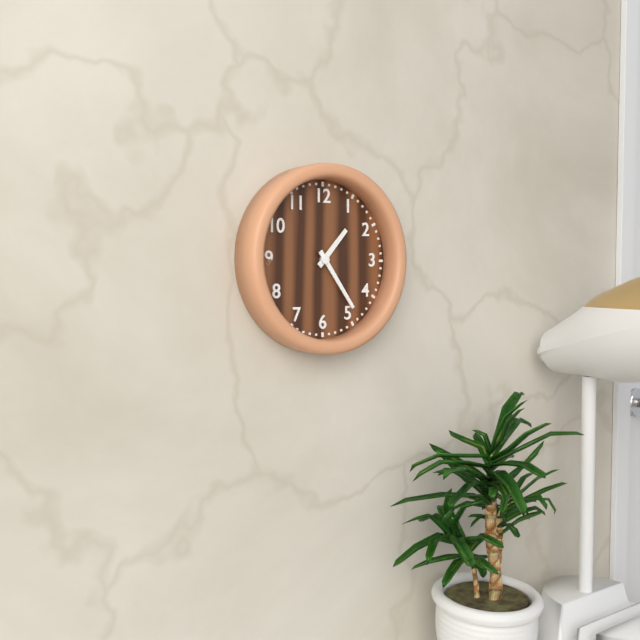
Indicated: 1 h 24 min
